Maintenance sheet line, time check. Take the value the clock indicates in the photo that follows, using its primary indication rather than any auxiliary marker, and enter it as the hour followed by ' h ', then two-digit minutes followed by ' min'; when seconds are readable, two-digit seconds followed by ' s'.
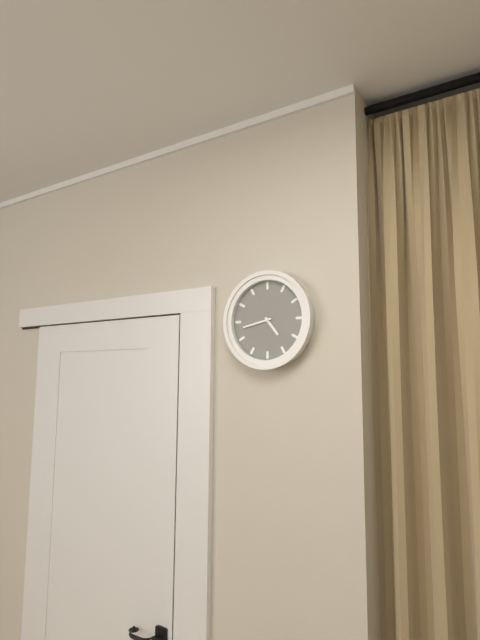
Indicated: 4 h 43 min
